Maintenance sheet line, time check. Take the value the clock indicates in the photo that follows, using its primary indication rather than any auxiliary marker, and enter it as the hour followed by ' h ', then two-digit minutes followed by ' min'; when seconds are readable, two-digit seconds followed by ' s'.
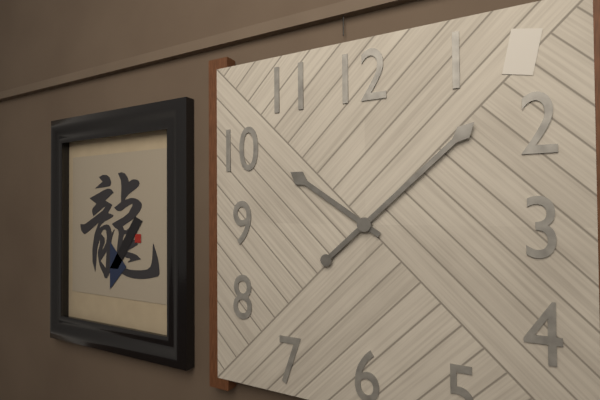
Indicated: 10 h 08 min
